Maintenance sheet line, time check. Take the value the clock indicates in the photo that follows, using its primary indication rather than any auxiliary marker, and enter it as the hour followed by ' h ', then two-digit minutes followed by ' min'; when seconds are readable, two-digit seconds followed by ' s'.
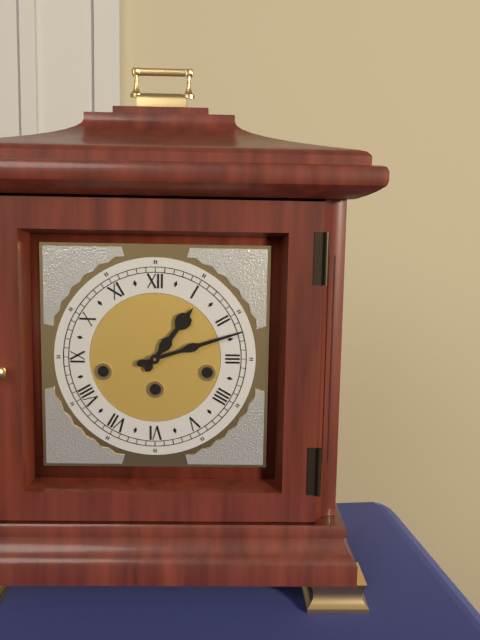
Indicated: 1 h 12 min
